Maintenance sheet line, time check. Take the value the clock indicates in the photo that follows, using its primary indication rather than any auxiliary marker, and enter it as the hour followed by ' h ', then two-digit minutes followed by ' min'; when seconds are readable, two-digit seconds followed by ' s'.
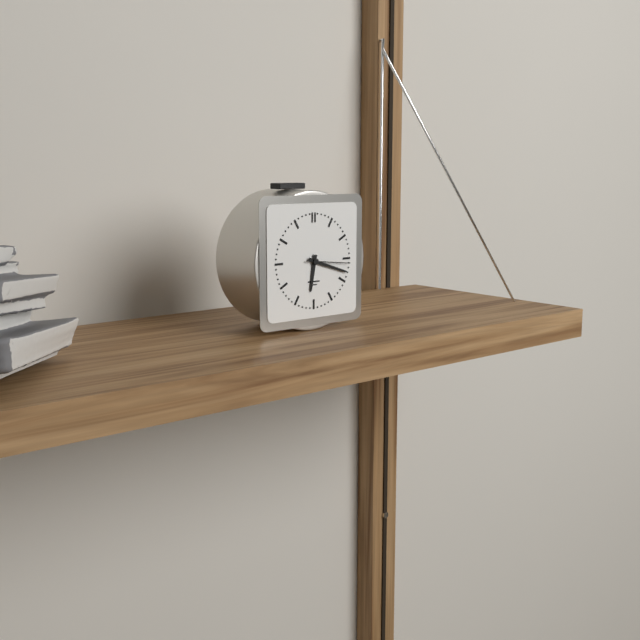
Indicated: 6 h 18 min
